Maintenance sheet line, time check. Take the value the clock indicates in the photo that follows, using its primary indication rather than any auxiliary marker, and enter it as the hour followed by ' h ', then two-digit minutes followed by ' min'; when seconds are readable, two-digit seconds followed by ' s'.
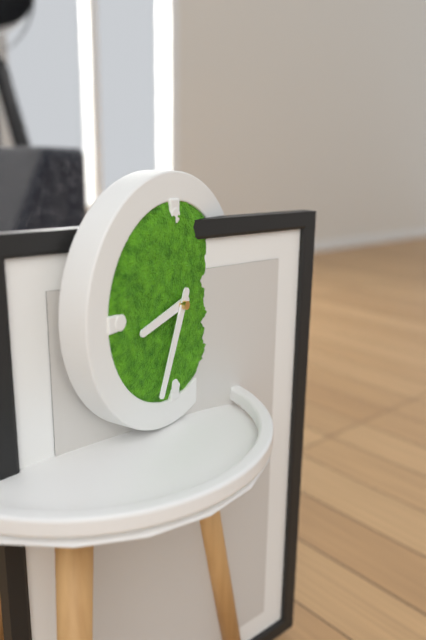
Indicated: 8 h 34 min
